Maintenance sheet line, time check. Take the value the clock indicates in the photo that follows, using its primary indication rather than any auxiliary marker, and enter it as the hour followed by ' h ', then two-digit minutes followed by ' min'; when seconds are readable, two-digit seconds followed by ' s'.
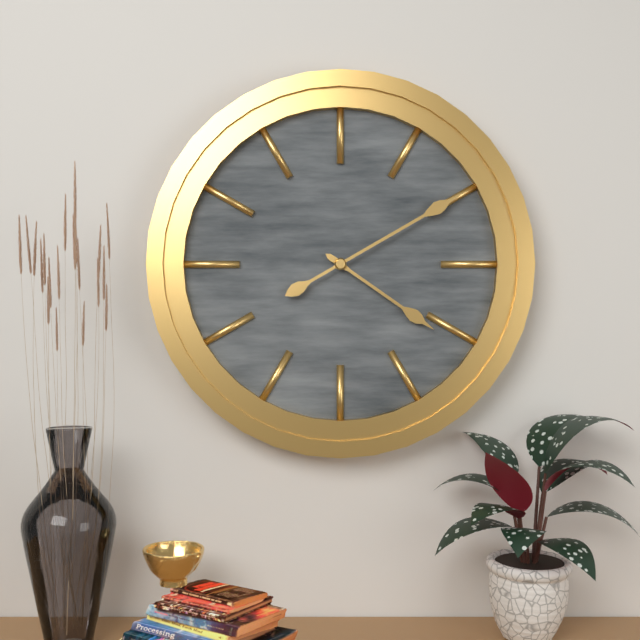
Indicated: 4 h 10 min
